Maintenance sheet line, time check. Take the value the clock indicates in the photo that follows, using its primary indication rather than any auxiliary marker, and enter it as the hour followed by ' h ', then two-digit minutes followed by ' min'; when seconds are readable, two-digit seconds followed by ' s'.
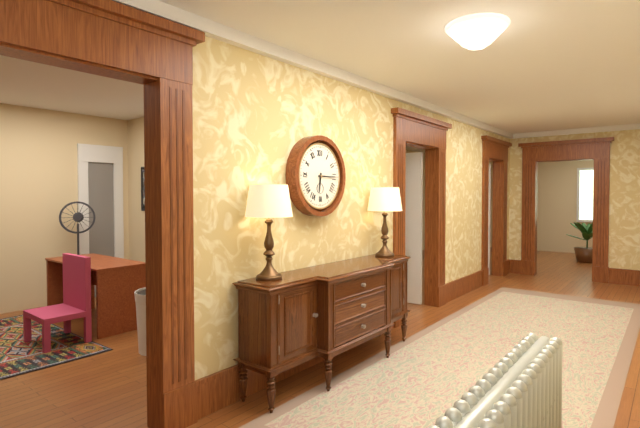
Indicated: 6 h 15 min
